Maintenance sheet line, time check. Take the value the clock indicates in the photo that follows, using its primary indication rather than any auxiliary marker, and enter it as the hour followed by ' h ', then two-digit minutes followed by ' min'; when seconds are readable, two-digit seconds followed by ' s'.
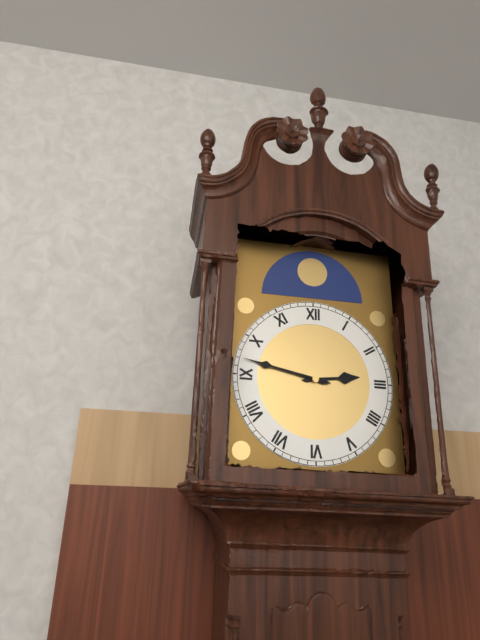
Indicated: 2 h 47 min
